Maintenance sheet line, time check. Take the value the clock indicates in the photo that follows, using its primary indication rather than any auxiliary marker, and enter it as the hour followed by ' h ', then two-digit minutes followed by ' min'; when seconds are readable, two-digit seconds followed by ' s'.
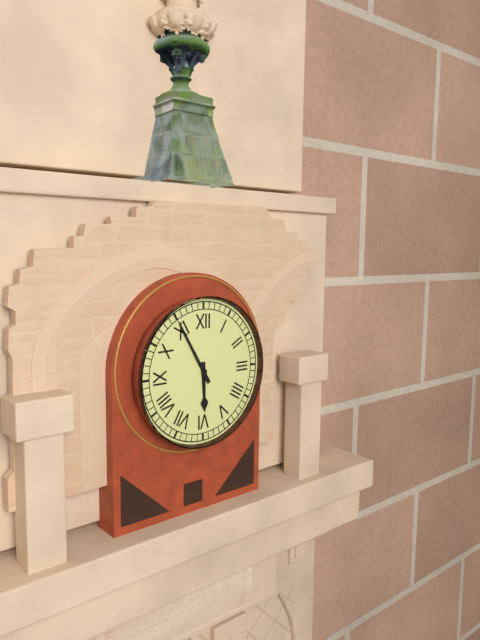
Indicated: 5 h 55 min
